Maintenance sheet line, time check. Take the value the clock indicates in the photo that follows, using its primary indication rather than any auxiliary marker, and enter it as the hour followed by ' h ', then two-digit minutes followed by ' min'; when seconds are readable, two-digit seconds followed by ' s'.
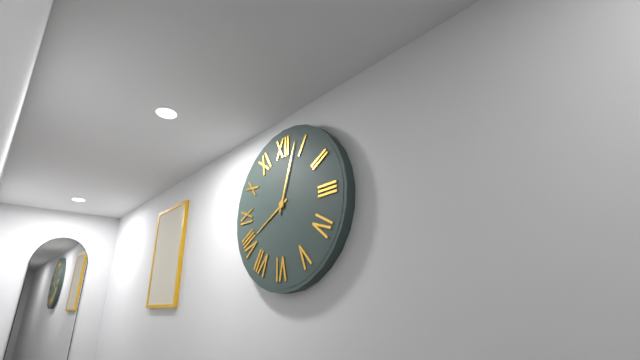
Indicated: 8 h 03 min
